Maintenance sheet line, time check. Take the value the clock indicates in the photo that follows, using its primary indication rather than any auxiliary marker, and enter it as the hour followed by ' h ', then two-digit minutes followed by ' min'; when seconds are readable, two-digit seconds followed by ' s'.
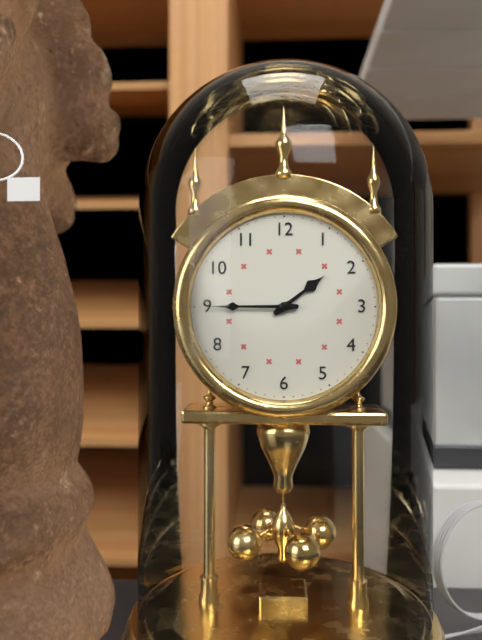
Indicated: 1 h 45 min
